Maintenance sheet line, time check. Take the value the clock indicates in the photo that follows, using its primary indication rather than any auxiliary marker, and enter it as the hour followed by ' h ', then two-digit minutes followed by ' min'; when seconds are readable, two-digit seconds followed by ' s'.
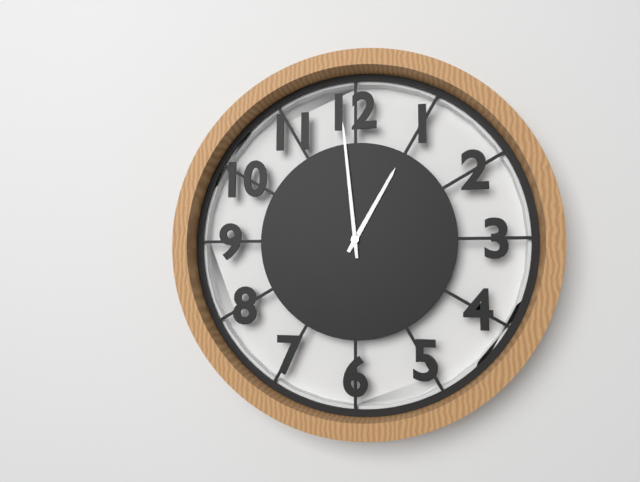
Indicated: 12 h 59 min
